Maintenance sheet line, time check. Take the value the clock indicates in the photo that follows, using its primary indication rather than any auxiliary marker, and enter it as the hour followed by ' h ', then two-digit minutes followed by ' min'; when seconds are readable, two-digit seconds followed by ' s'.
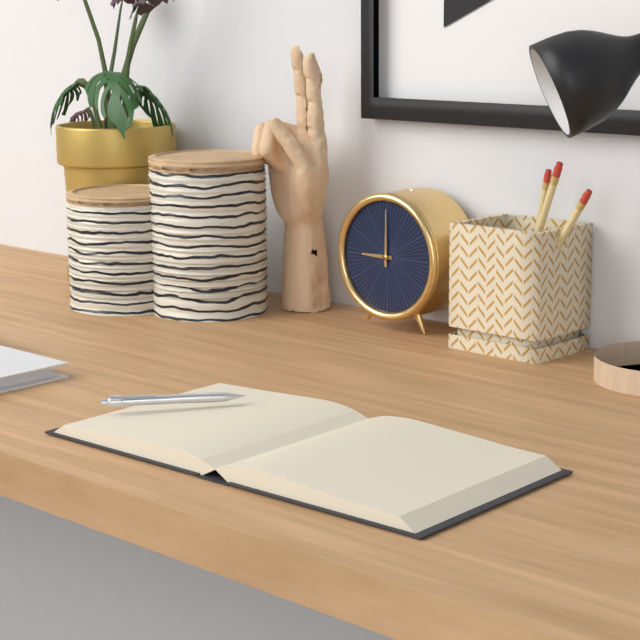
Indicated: 9 h 00 min
